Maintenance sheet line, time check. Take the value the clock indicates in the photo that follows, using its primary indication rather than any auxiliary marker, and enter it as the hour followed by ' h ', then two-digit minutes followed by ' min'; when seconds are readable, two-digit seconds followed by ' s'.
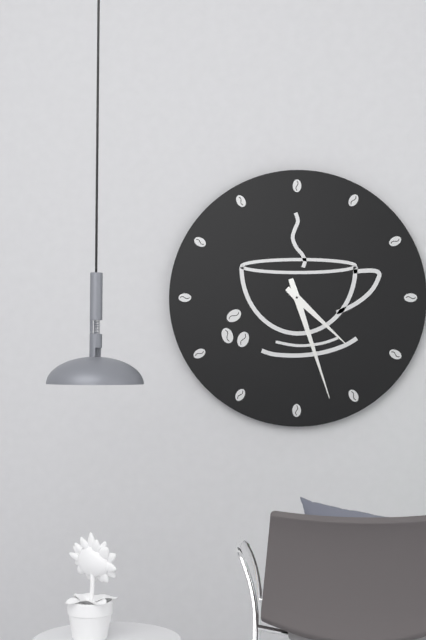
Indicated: 4 h 27 min
